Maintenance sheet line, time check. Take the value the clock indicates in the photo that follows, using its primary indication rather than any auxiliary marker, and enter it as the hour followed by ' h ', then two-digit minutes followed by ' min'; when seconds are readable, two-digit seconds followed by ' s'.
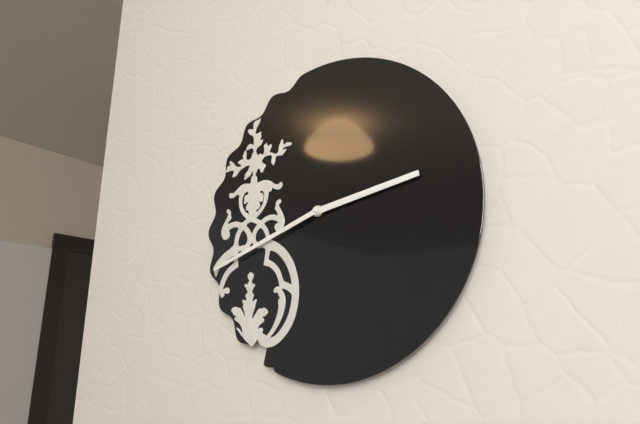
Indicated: 2 h 42 min
